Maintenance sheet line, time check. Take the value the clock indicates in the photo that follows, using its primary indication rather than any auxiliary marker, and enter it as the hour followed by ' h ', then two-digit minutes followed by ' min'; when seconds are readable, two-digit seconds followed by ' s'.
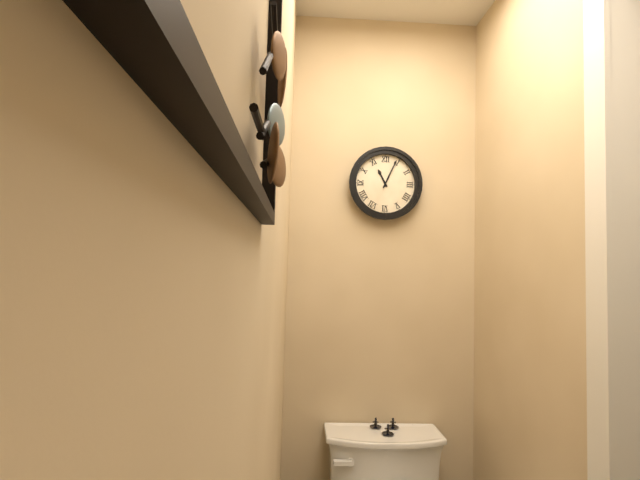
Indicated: 11 h 04 min
